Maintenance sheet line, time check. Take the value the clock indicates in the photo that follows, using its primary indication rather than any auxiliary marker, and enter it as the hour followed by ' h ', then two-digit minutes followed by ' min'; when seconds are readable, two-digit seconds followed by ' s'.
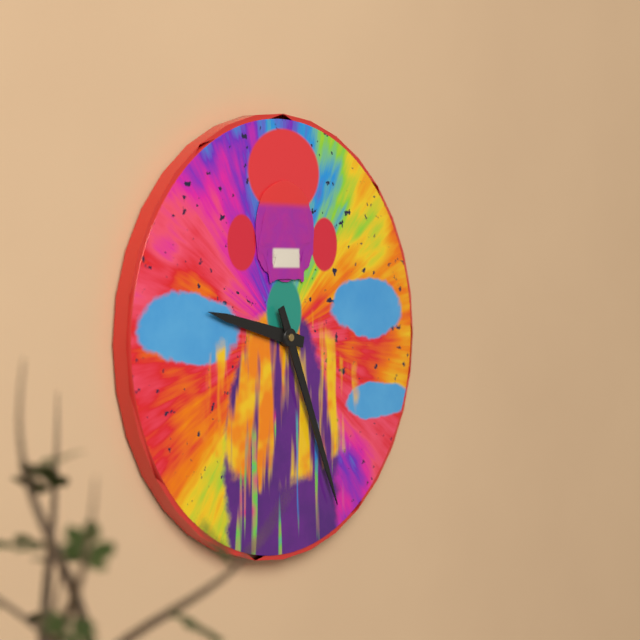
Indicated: 9 h 26 min
